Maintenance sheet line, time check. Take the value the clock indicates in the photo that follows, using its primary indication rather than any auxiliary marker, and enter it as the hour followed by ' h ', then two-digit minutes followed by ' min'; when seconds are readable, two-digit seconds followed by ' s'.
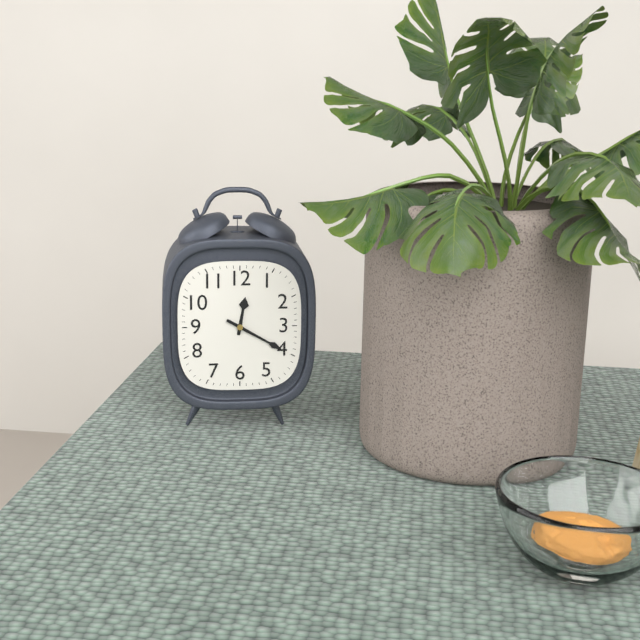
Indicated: 12 h 20 min
